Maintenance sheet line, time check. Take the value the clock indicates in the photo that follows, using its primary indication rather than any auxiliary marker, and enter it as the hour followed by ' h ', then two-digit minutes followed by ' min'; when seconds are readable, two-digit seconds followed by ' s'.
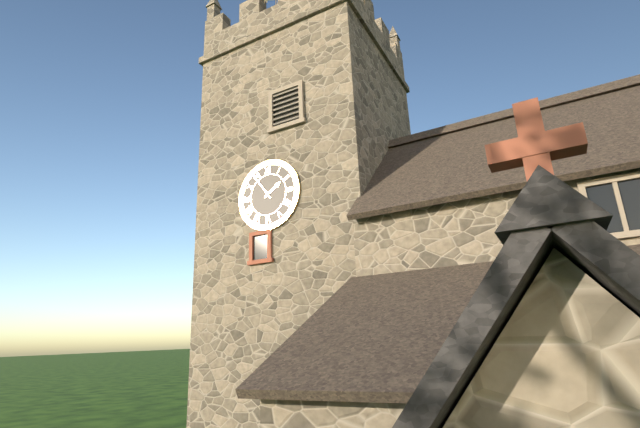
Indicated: 1 h 54 min
